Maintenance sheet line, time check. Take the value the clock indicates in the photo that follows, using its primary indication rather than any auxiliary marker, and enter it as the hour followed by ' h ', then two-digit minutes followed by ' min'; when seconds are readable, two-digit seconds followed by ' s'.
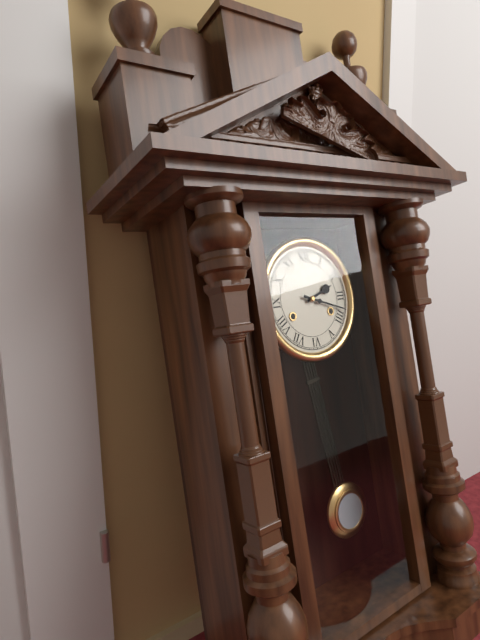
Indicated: 2 h 18 min
